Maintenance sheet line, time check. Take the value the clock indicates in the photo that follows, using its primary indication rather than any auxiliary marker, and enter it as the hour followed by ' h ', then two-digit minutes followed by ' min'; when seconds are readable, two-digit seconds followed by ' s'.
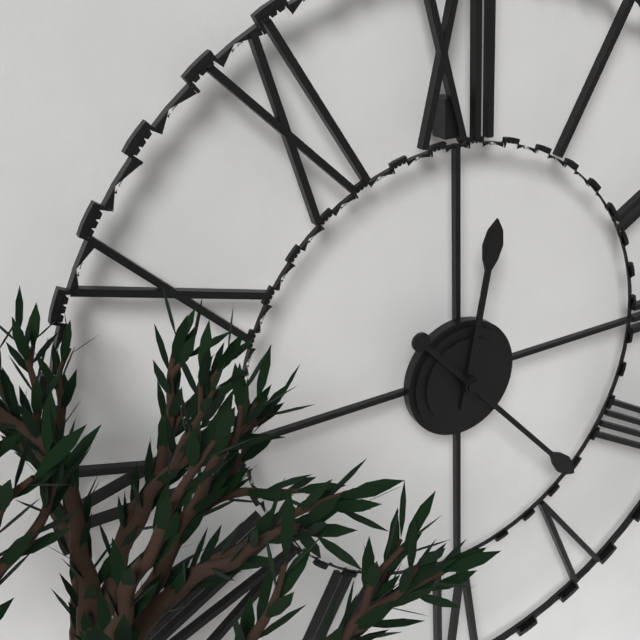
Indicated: 12 h 23 min
